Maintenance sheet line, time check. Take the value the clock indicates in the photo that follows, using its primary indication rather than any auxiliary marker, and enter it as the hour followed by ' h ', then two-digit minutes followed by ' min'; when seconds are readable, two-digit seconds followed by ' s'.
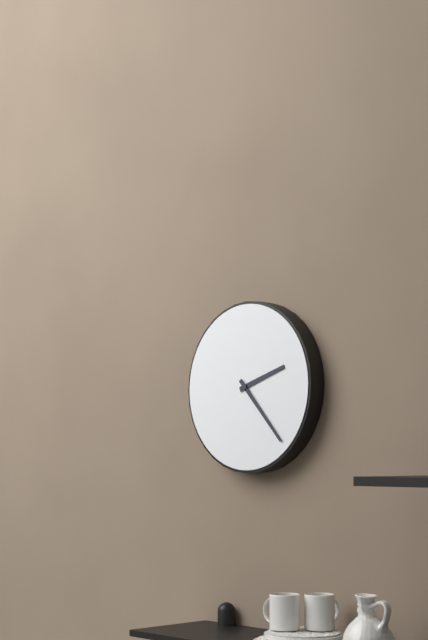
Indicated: 2 h 23 min
